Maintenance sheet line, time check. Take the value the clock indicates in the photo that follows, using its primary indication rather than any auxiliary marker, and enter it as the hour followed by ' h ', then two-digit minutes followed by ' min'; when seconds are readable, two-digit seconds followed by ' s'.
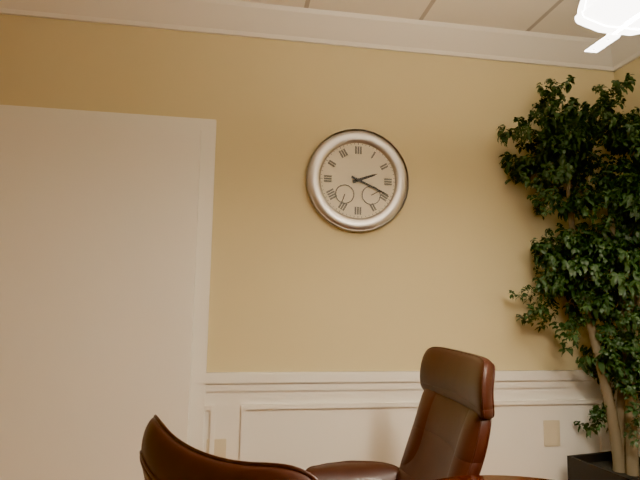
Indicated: 2 h 19 min
